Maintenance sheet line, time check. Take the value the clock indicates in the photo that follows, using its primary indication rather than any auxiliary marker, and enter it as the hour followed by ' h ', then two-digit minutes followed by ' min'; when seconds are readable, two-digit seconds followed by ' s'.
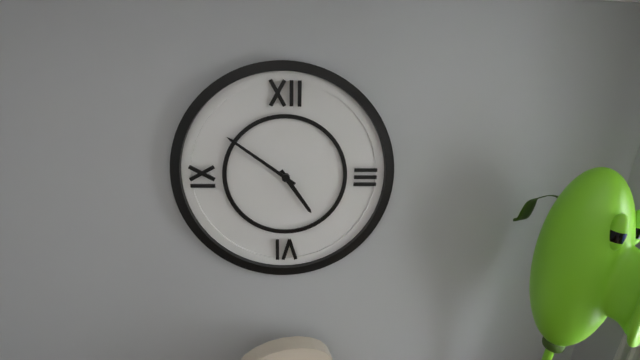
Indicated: 4 h 51 min
